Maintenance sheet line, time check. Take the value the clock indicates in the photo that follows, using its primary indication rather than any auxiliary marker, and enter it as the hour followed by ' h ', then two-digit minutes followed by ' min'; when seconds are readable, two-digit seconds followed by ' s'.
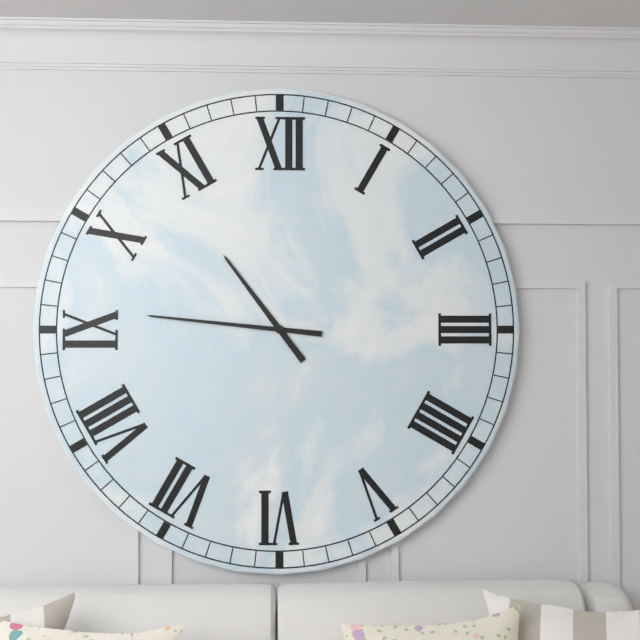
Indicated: 10 h 46 min
